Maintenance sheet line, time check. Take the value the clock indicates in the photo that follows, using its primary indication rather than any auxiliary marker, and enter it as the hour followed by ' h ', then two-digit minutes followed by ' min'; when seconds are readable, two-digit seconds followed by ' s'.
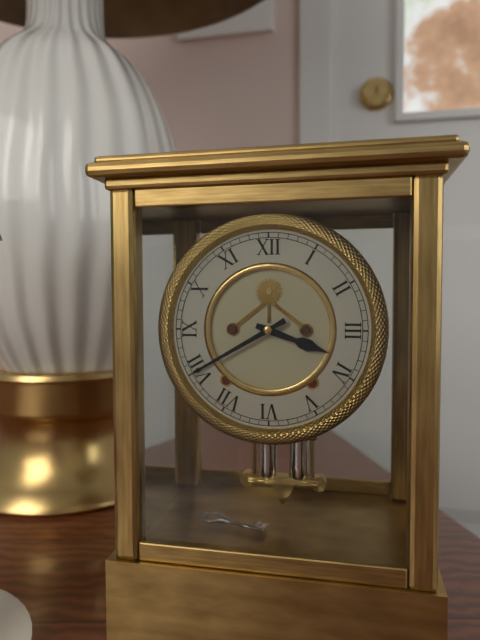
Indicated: 3 h 40 min
